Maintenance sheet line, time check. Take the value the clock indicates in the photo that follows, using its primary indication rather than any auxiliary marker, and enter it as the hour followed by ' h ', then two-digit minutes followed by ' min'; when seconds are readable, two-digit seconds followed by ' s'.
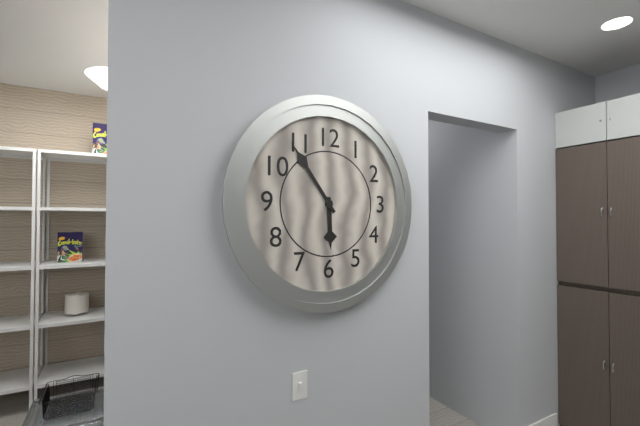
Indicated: 5 h 54 min
